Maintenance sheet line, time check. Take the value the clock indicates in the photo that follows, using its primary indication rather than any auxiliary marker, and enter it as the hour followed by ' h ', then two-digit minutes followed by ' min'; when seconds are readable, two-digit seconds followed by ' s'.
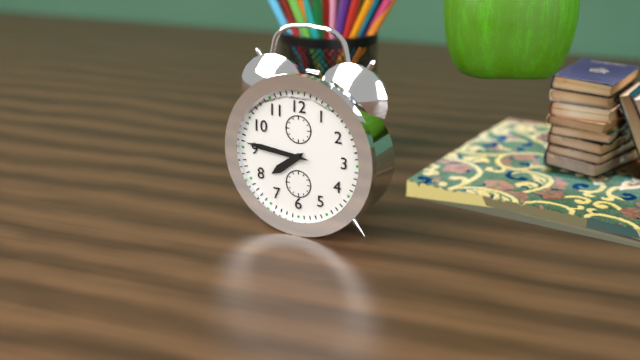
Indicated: 7 h 46 min
